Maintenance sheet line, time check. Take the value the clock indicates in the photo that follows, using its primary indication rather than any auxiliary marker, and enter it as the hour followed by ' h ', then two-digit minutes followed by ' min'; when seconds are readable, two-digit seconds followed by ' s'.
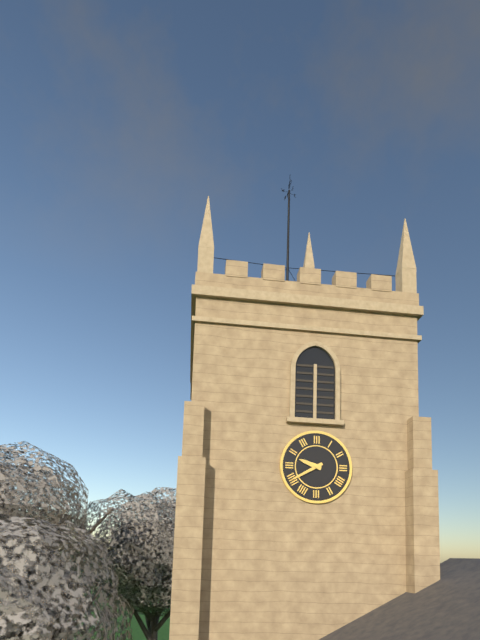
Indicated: 9 h 40 min
